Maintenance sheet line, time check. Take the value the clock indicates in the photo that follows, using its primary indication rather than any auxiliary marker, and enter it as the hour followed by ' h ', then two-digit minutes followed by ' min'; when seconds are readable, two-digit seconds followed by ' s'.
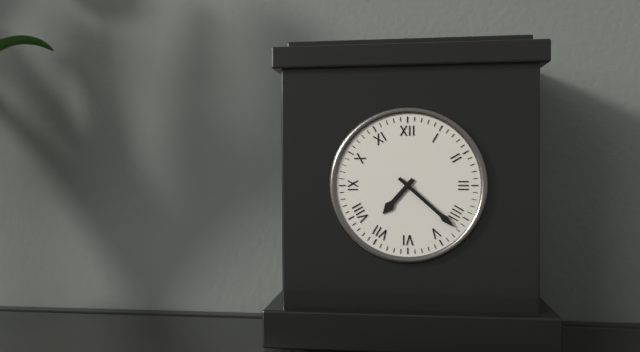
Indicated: 7 h 22 min
